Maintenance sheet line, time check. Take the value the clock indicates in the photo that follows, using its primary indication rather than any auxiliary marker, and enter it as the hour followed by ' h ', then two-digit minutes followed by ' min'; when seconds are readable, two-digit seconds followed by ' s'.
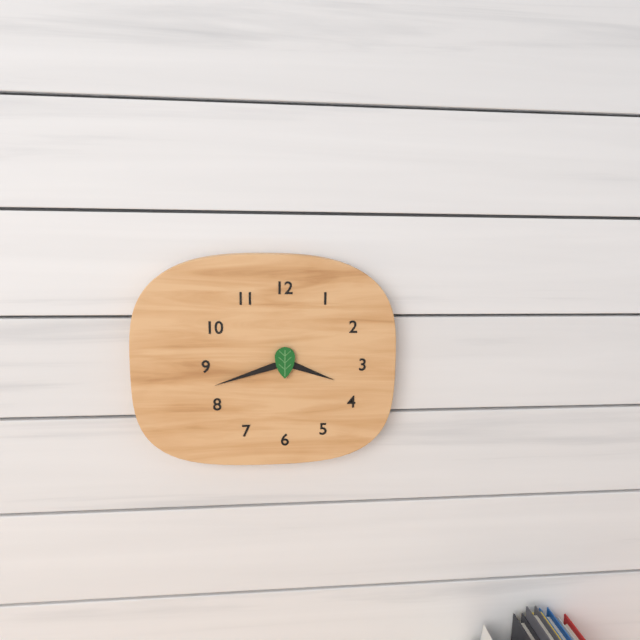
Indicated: 3 h 42 min
